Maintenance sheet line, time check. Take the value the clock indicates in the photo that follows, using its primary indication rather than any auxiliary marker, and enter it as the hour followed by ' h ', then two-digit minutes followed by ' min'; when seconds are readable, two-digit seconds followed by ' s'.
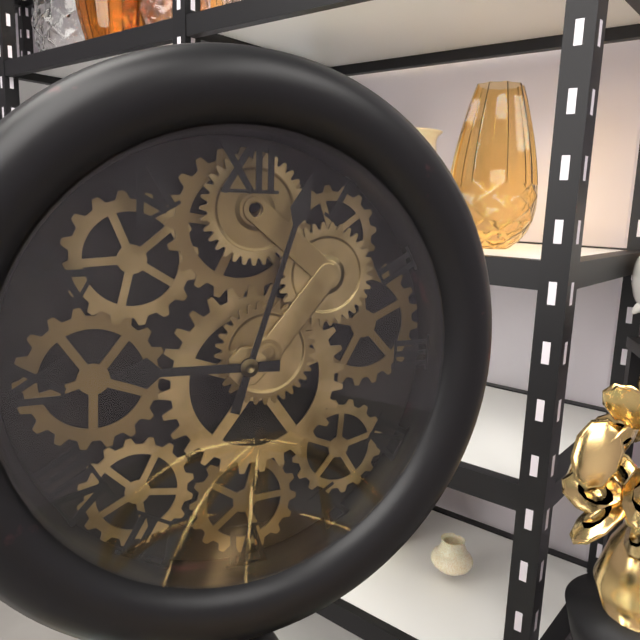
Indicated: 9 h 03 min
